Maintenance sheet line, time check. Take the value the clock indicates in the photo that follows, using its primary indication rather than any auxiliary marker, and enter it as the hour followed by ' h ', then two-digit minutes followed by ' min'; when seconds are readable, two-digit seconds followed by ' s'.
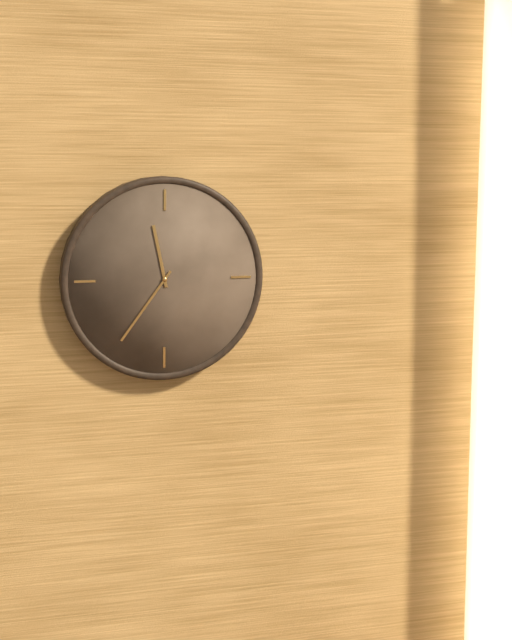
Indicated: 11 h 36 min
